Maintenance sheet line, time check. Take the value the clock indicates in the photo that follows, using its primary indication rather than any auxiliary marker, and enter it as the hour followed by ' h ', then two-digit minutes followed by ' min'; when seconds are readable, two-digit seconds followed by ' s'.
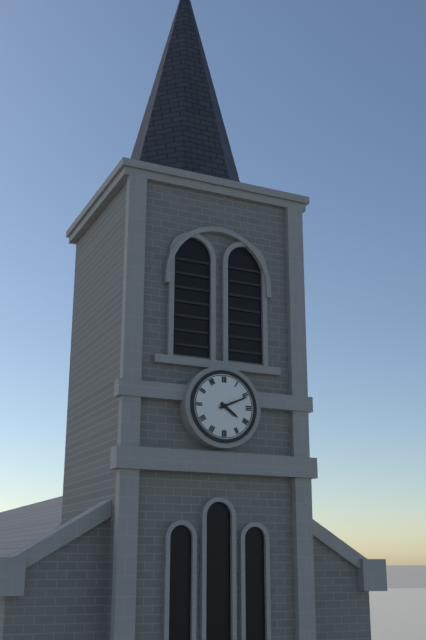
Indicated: 4 h 11 min
